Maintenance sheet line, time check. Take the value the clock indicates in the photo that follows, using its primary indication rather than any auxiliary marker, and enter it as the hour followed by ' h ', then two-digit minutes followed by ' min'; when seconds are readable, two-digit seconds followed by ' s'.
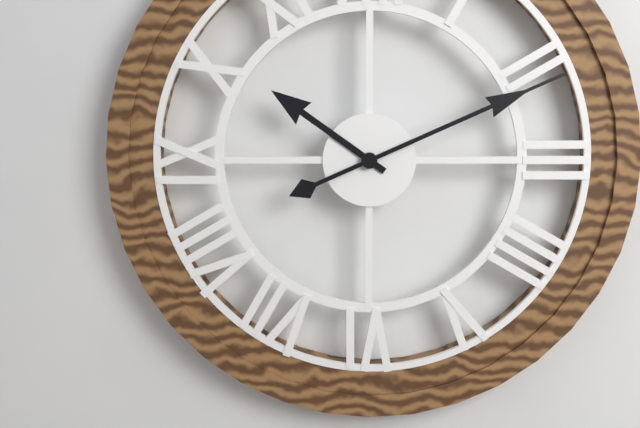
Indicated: 10 h 11 min
